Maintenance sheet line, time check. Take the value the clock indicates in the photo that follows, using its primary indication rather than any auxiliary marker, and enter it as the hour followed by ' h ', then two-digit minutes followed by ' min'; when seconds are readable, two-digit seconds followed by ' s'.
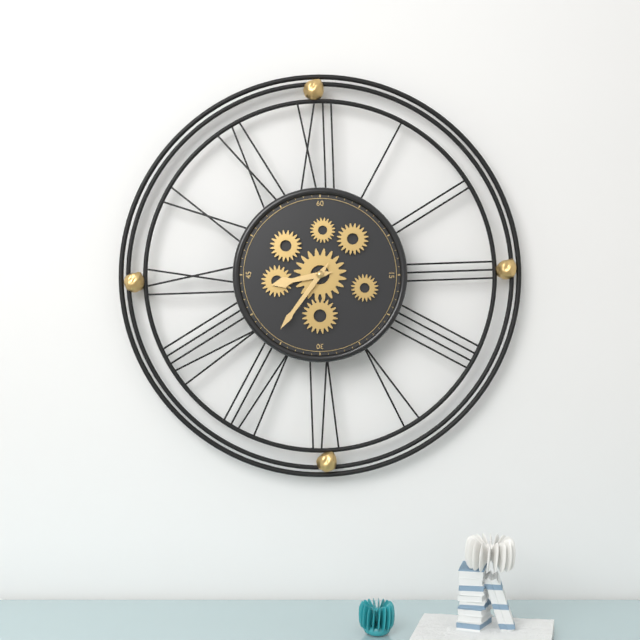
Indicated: 8 h 36 min
